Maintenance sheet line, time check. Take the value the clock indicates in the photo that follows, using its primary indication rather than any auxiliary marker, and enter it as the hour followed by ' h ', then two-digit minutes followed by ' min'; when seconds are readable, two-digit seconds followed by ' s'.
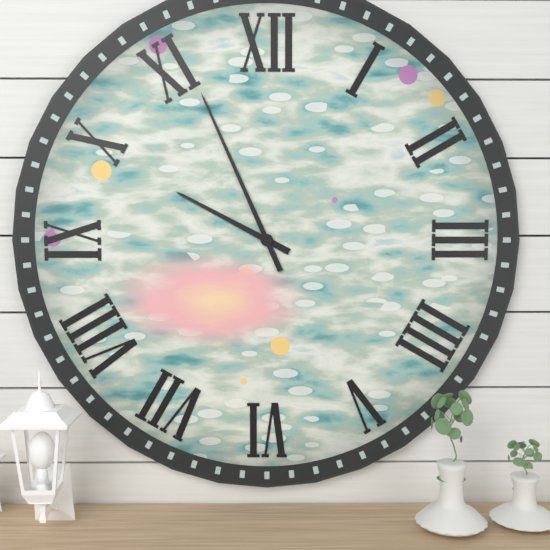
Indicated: 9 h 56 min
